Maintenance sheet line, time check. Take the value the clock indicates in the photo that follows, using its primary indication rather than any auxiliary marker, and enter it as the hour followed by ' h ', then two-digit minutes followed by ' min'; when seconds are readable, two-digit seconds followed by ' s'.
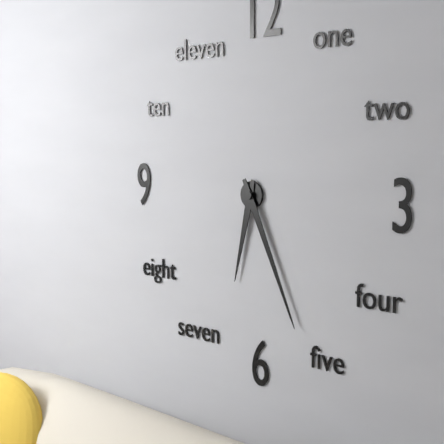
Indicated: 6 h 26 min
